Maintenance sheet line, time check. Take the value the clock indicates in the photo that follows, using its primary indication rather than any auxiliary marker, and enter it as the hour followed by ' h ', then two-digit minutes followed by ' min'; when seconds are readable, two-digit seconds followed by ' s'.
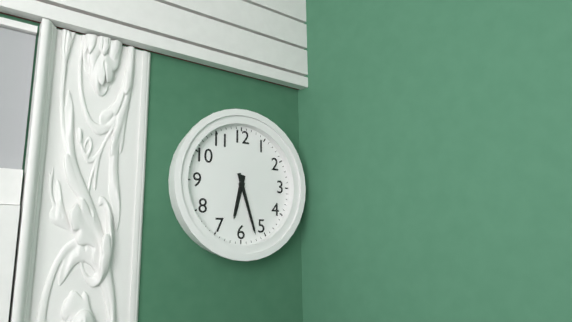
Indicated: 6 h 27 min
